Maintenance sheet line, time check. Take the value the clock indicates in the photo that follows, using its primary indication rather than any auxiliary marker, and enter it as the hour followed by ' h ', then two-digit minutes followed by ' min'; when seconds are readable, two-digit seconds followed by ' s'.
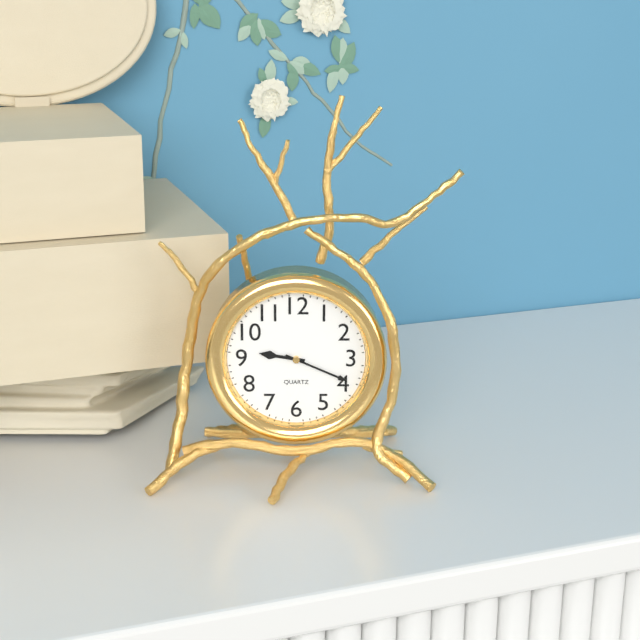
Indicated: 9 h 19 min
